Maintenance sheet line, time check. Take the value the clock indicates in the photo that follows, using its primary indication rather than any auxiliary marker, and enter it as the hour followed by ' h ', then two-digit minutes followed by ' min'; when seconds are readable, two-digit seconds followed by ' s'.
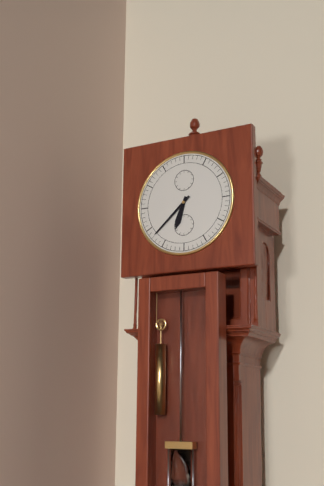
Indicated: 6 h 38 min
